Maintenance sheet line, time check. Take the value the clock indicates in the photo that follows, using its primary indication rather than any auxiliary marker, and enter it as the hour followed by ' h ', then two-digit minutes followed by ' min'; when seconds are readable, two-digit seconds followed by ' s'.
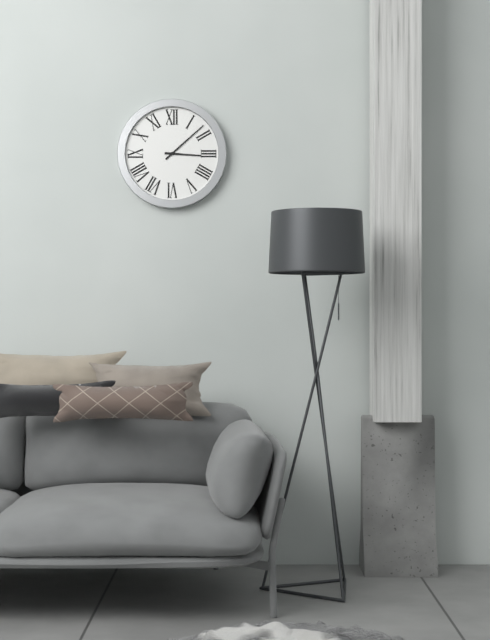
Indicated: 3 h 08 min
